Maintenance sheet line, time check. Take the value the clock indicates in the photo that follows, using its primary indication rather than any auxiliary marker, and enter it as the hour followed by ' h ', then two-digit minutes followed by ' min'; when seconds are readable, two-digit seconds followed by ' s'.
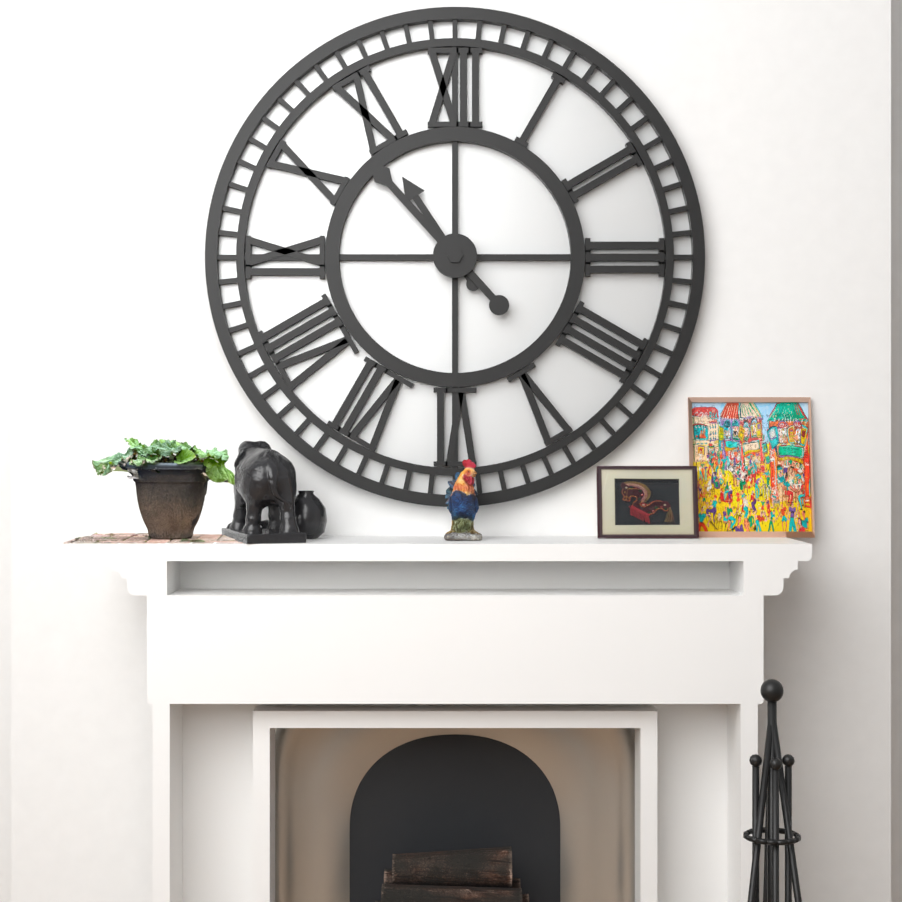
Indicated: 10 h 53 min
